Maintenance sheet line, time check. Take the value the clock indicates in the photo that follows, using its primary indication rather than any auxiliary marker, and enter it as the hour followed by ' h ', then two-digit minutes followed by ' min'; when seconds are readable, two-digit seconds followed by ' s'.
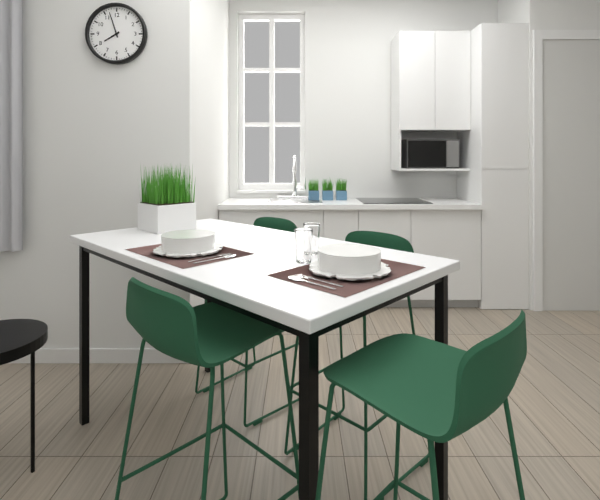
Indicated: 7 h 57 min
